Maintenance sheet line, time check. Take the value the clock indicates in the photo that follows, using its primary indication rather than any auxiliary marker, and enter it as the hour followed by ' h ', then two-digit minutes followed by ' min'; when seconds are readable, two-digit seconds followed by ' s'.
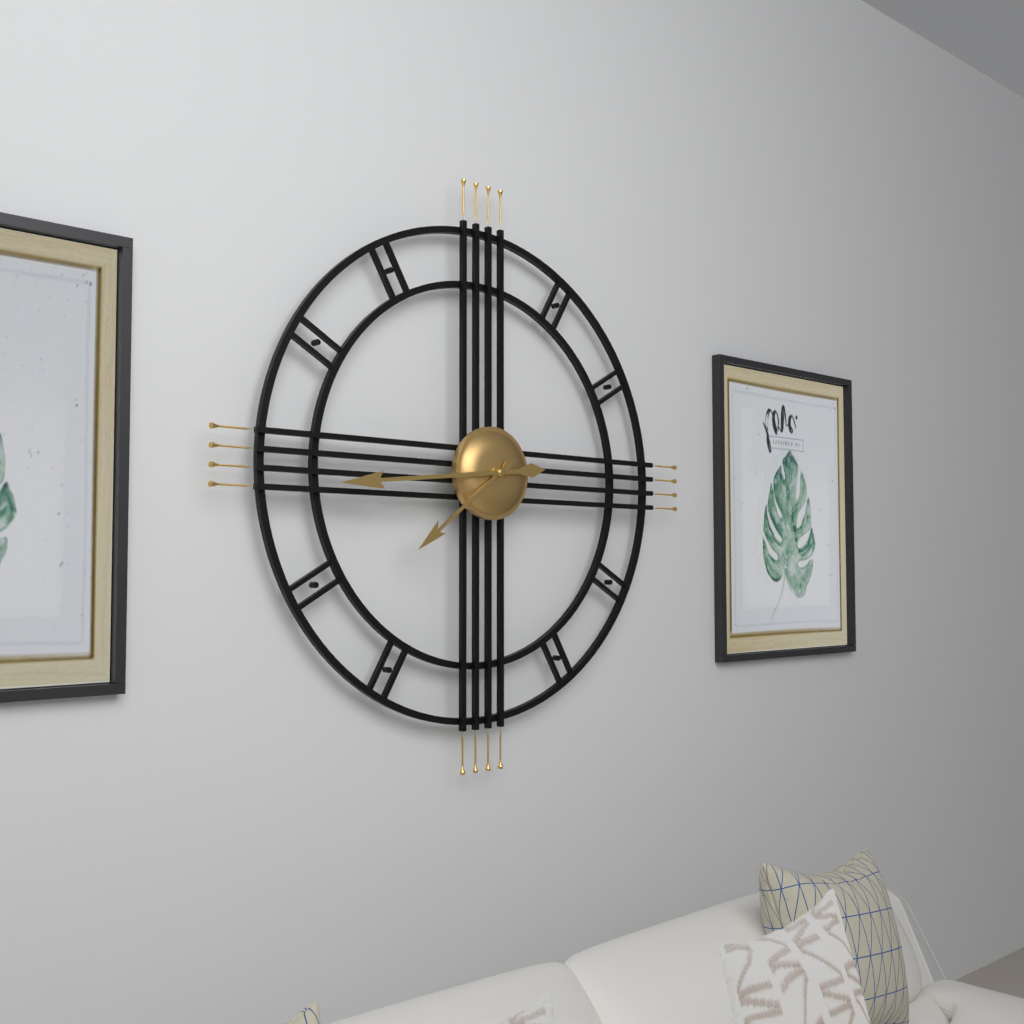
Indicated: 7 h 44 min
